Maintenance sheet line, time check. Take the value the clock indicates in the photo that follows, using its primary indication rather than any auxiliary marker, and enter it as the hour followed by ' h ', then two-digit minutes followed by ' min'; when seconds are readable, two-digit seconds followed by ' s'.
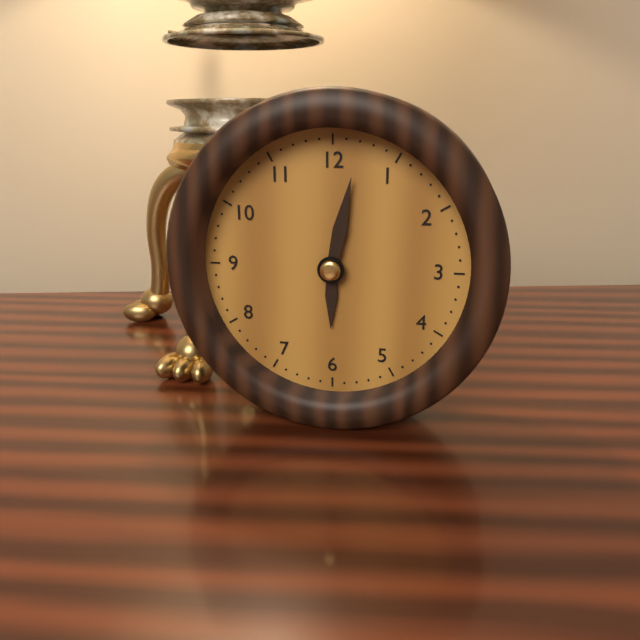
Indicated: 6 h 02 min
